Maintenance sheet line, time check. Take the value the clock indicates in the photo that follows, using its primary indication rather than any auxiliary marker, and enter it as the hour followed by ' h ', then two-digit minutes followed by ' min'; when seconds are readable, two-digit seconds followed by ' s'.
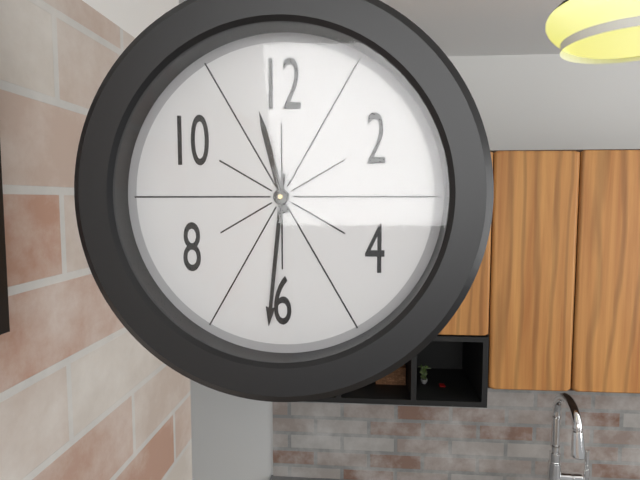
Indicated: 11 h 31 min
